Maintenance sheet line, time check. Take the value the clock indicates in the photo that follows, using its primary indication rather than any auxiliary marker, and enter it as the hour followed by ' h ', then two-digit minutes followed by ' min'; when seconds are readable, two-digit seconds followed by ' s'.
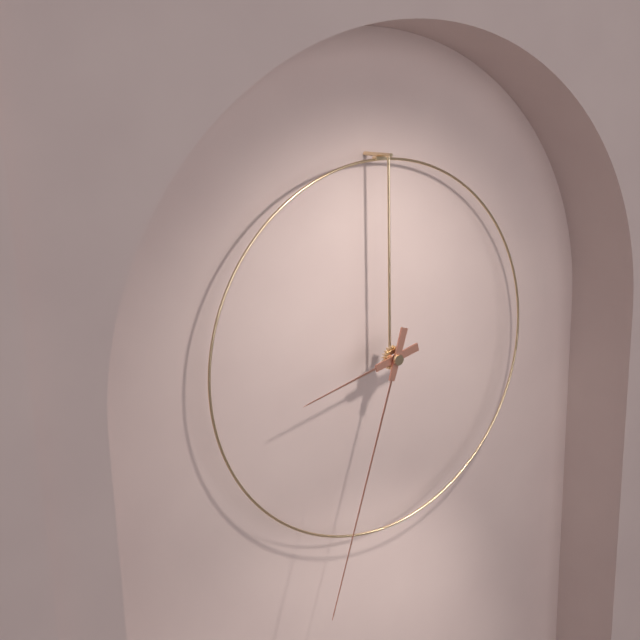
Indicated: 8 h 33 min
